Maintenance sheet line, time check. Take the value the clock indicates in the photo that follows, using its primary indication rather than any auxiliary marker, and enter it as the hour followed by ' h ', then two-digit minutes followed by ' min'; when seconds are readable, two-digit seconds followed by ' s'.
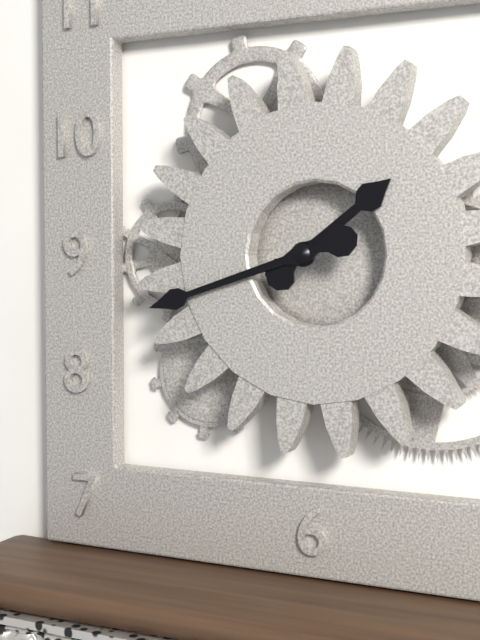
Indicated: 1 h 42 min
